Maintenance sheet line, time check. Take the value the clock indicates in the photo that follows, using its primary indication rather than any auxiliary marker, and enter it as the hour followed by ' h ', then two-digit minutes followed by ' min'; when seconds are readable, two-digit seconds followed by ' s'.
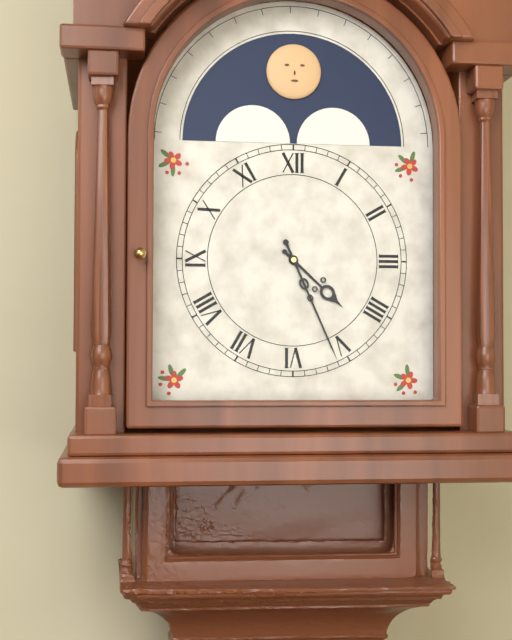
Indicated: 4 h 26 min
